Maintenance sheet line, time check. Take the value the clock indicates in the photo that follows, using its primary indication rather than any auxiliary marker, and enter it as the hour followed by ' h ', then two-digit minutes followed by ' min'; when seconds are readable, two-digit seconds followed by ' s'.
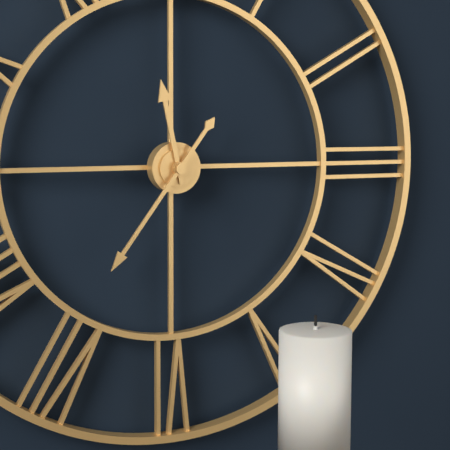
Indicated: 11 h 36 min
